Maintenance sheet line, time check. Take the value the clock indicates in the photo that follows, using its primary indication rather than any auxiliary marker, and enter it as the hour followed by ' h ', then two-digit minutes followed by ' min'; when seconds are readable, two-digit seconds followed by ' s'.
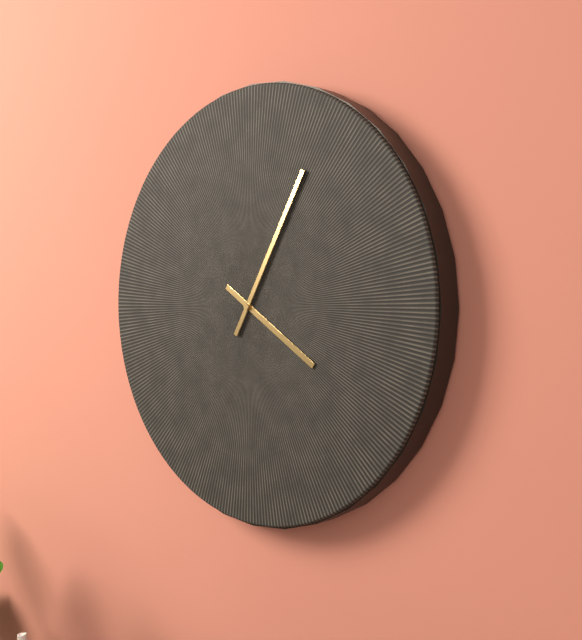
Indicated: 4 h 05 min
